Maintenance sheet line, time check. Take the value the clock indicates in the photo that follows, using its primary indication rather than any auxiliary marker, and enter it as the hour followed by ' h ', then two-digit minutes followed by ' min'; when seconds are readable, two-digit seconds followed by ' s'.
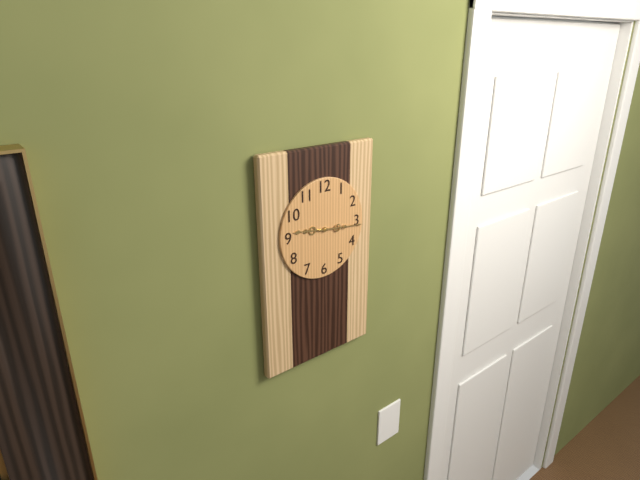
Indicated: 9 h 16 min
